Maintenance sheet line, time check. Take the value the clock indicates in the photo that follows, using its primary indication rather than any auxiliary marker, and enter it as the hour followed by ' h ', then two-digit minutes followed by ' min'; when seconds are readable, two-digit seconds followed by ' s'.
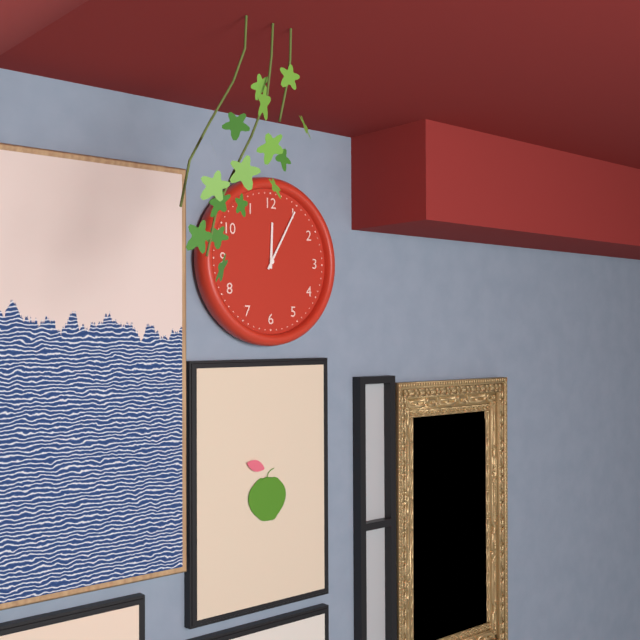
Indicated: 12 h 05 min
